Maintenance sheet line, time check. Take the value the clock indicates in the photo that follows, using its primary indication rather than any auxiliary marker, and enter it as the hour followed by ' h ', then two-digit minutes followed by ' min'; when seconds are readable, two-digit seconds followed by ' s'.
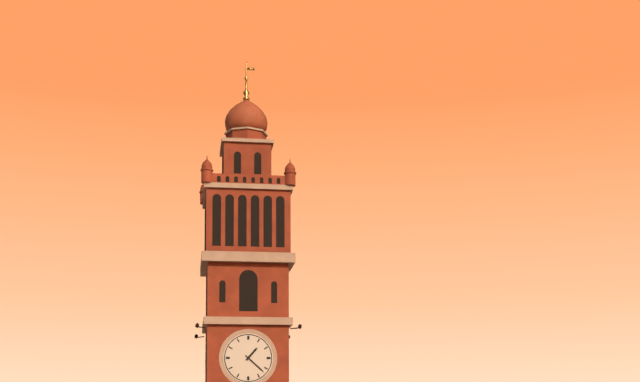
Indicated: 1 h 22 min
